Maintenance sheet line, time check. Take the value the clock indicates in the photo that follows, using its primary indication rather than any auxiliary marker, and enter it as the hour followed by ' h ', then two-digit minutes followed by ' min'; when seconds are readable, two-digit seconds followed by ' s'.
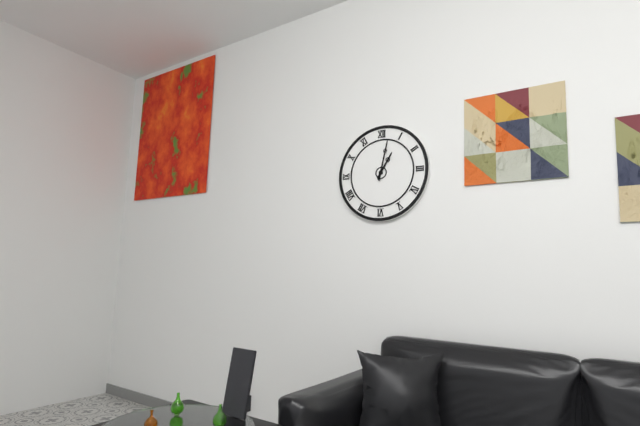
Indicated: 1 h 02 min
